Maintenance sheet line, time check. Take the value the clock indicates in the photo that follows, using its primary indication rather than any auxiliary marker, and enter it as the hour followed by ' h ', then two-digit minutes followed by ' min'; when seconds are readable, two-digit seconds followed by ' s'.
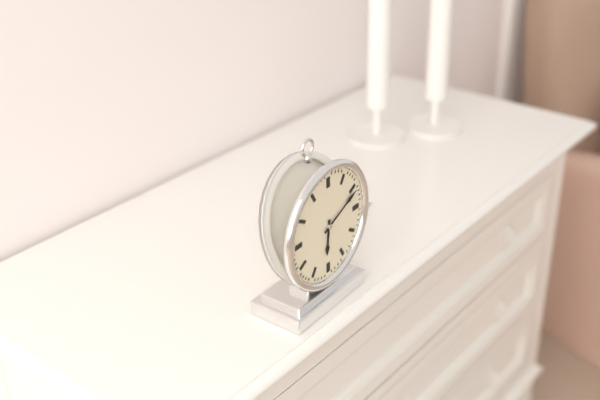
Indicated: 6 h 11 min
